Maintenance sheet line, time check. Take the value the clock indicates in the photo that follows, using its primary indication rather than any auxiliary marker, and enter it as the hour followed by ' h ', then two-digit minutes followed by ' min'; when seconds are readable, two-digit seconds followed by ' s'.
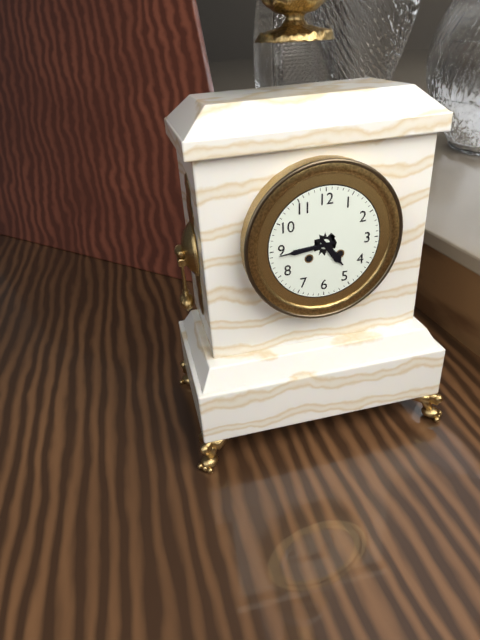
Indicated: 4 h 44 min
